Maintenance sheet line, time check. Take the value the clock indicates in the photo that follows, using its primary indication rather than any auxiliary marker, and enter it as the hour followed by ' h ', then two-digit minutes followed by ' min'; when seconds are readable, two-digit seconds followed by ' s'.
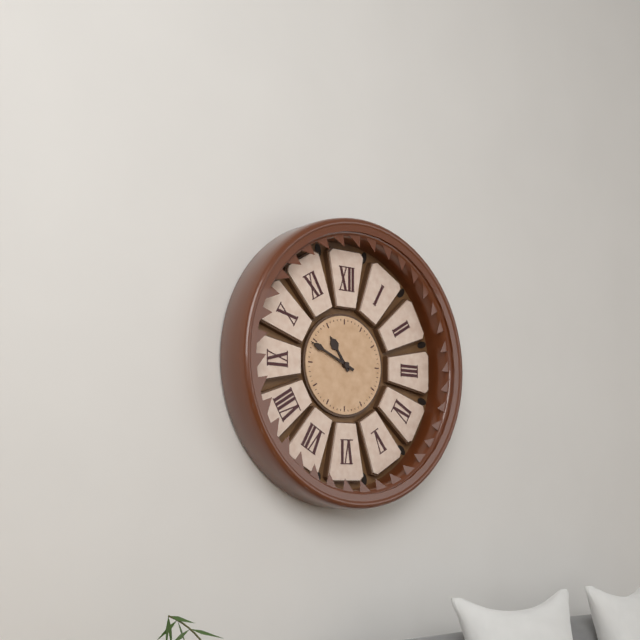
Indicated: 10 h 49 min
